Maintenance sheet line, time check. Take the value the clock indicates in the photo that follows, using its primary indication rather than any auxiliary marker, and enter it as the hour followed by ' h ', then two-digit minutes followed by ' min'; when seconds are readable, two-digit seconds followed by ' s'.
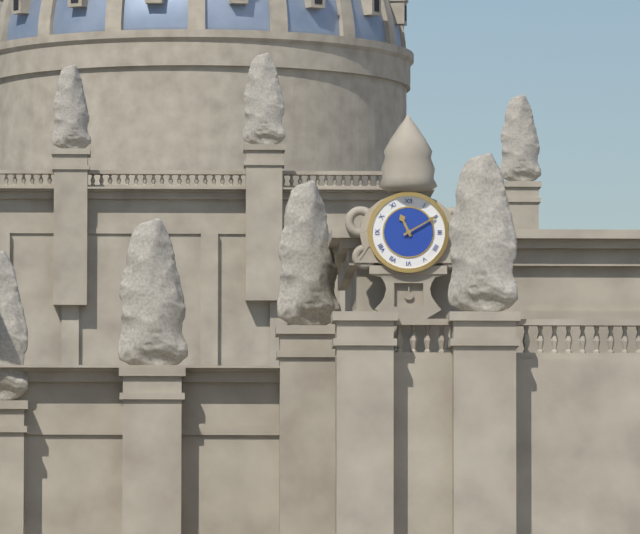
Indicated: 11 h 10 min
